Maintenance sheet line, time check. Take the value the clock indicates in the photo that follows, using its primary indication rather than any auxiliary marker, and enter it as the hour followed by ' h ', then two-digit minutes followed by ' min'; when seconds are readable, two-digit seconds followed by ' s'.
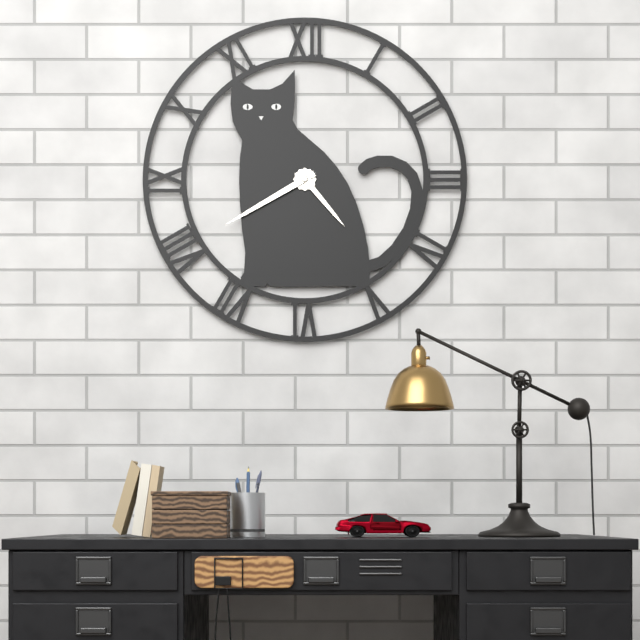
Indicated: 4 h 40 min
